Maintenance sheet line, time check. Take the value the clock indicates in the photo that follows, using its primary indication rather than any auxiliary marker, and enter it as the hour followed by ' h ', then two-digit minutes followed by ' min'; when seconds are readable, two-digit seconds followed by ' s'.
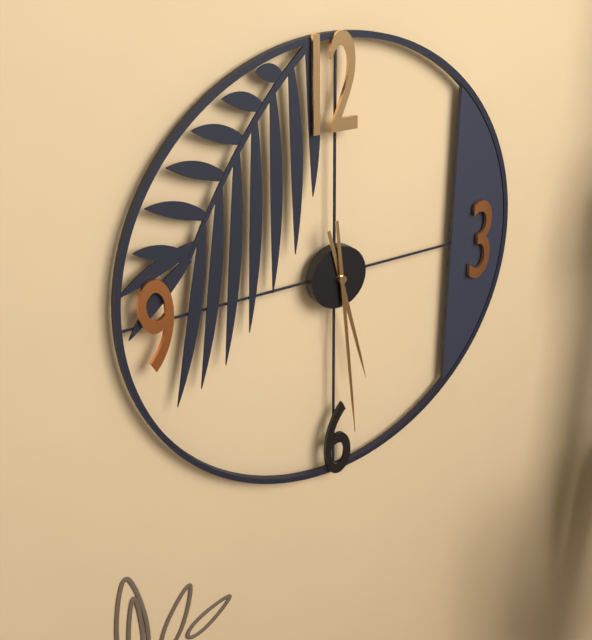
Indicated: 5 h 29 min
